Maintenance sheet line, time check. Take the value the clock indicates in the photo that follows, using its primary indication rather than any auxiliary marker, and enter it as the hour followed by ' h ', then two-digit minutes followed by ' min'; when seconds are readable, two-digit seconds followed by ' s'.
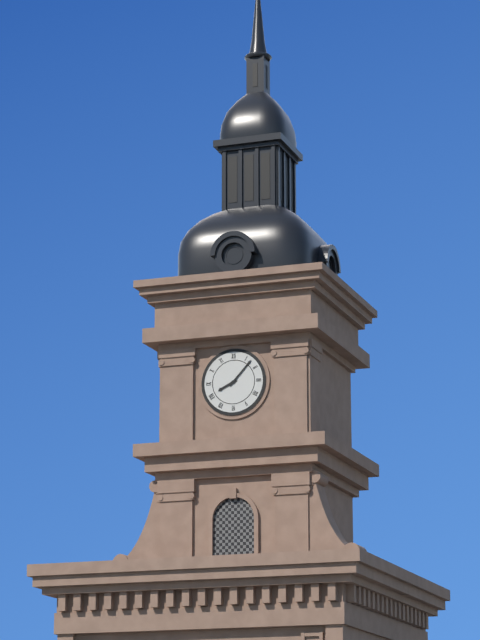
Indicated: 8 h 07 min
